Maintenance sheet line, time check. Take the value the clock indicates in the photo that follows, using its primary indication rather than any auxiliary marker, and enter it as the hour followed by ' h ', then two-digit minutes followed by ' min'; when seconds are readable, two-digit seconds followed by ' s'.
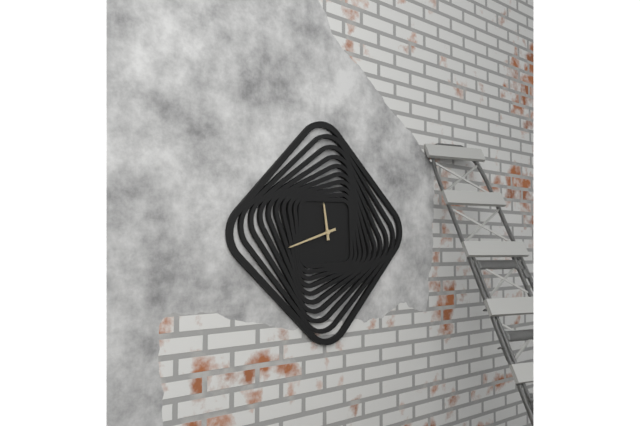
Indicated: 11 h 42 min
